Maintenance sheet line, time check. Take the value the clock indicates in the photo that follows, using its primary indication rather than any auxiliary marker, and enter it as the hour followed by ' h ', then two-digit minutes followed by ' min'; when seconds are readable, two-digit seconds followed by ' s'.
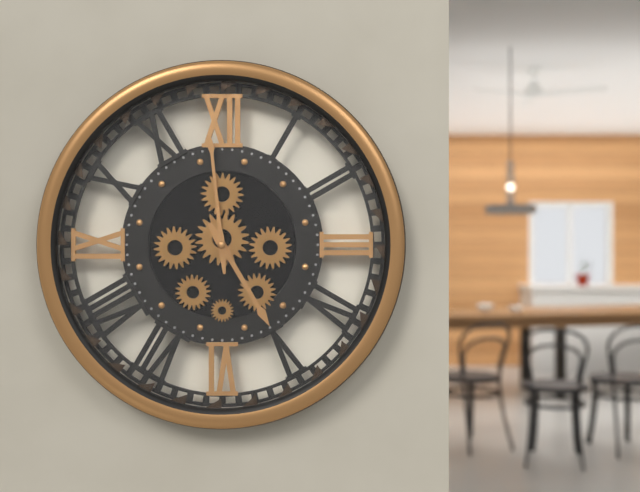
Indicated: 4 h 59 min
